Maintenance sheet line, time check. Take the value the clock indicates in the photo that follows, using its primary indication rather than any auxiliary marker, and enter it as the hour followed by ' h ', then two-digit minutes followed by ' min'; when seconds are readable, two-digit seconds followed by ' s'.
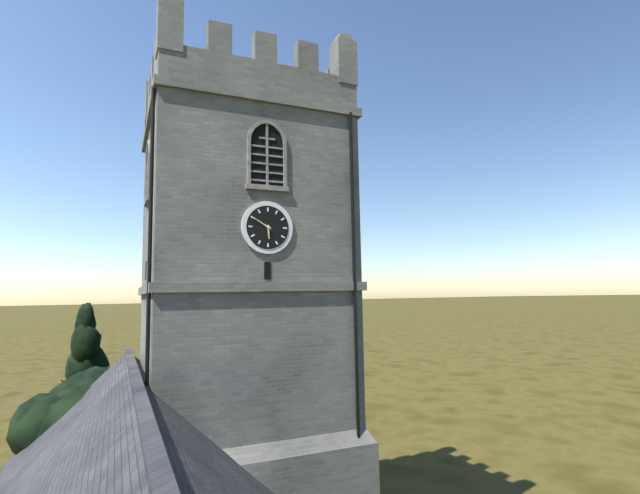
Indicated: 5 h 50 min
